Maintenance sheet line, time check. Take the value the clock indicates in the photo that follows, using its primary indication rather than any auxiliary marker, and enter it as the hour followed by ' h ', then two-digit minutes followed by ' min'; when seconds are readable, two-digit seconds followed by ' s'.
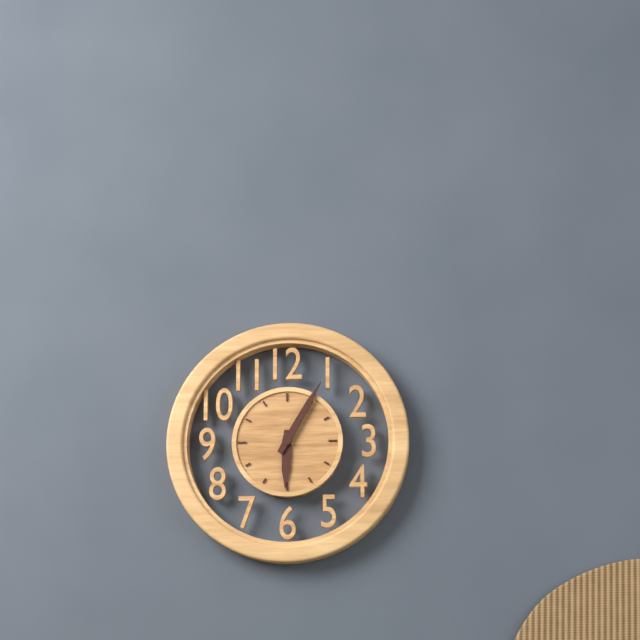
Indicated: 6 h 05 min
